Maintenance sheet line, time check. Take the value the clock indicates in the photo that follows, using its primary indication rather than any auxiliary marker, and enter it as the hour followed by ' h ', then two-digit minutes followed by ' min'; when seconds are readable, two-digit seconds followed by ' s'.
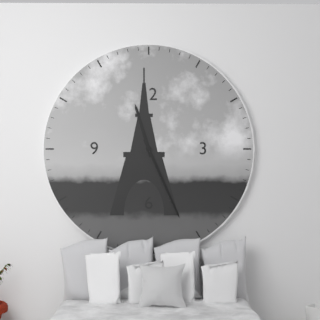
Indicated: 11 h 26 min
